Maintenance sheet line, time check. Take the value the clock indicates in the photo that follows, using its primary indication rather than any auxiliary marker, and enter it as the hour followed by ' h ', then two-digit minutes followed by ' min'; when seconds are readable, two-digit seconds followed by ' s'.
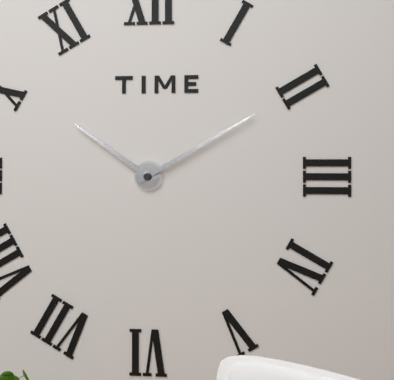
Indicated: 10 h 10 min
